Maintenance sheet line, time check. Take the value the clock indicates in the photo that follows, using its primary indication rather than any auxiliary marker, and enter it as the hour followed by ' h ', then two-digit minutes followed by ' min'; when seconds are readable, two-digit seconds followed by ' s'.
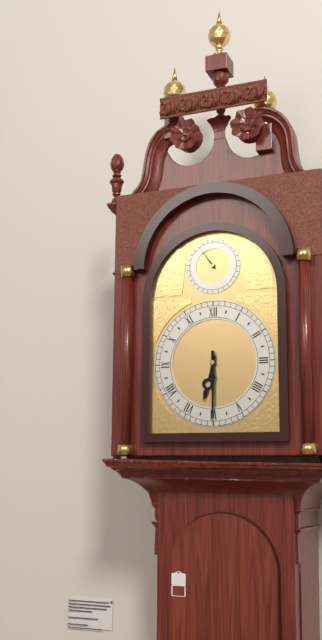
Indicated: 6 h 30 min
